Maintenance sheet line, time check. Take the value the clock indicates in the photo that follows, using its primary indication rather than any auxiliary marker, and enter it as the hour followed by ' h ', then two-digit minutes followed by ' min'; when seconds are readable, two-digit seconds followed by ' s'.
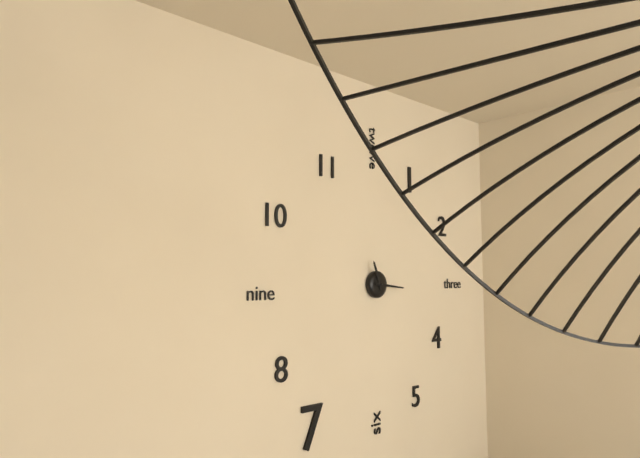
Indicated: 11 h 16 min
